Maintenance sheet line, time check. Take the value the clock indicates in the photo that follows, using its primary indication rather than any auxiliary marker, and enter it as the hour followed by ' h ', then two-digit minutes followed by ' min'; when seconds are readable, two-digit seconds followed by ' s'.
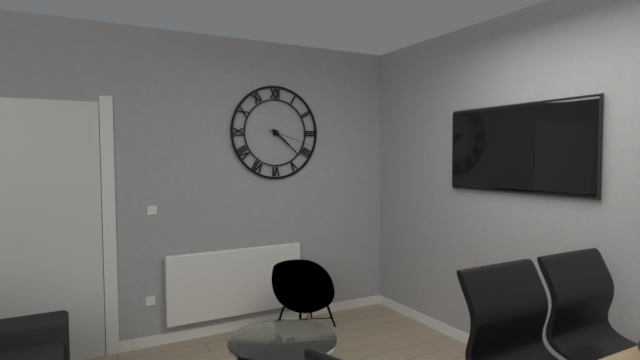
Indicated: 4 h 22 min
